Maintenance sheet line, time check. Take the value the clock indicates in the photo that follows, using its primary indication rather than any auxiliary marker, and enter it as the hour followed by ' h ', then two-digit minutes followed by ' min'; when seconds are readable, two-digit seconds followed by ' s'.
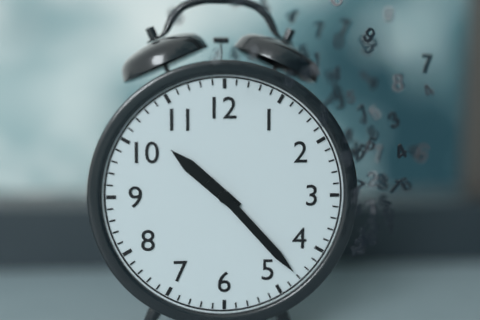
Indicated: 10 h 23 min
